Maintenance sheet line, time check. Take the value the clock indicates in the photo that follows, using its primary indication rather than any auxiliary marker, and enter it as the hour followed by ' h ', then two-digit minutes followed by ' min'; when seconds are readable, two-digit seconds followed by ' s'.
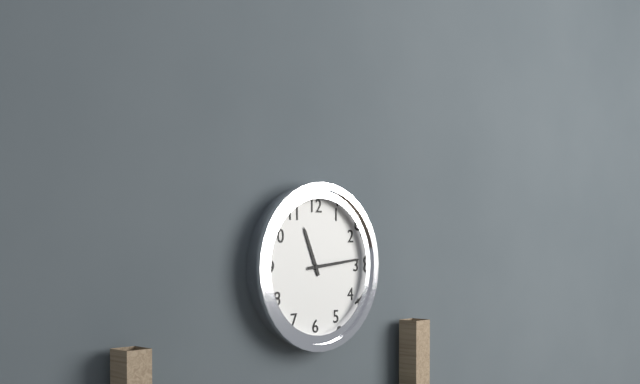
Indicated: 11 h 14 min
